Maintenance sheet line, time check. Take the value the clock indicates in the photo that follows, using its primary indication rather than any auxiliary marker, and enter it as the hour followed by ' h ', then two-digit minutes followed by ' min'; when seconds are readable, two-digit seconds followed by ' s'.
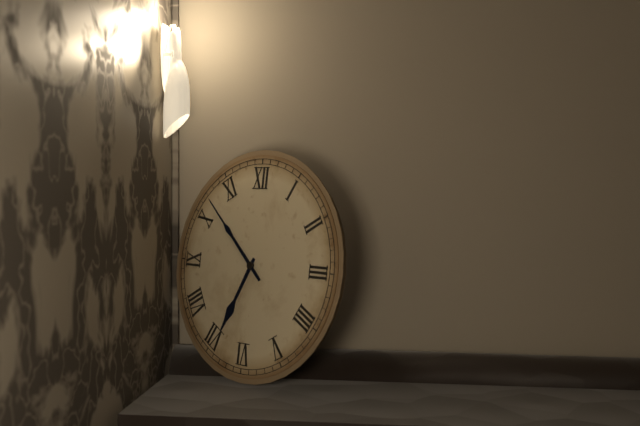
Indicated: 6 h 52 min
